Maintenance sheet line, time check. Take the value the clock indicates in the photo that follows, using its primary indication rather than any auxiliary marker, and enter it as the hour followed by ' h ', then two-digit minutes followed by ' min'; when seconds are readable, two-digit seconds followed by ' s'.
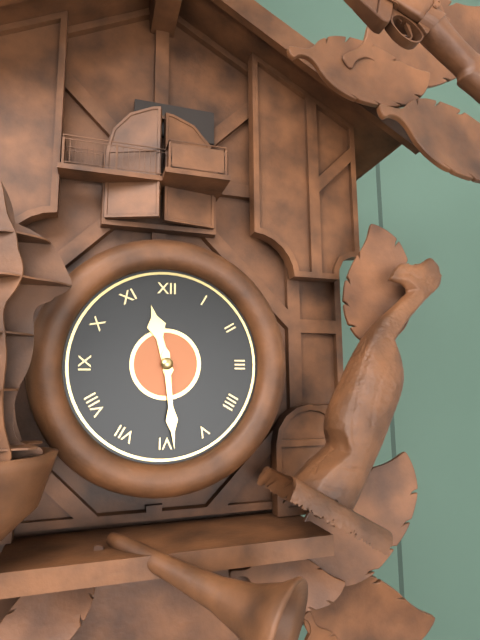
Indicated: 11 h 29 min
